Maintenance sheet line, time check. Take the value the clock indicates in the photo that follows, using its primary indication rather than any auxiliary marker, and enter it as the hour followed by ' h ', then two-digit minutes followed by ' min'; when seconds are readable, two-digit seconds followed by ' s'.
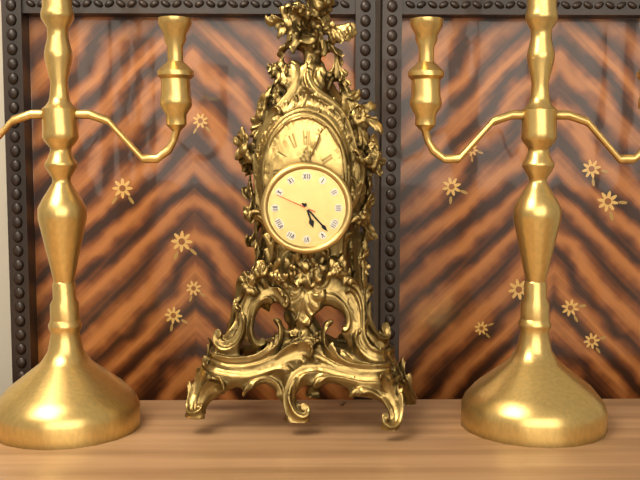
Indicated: 5 h 23 min
